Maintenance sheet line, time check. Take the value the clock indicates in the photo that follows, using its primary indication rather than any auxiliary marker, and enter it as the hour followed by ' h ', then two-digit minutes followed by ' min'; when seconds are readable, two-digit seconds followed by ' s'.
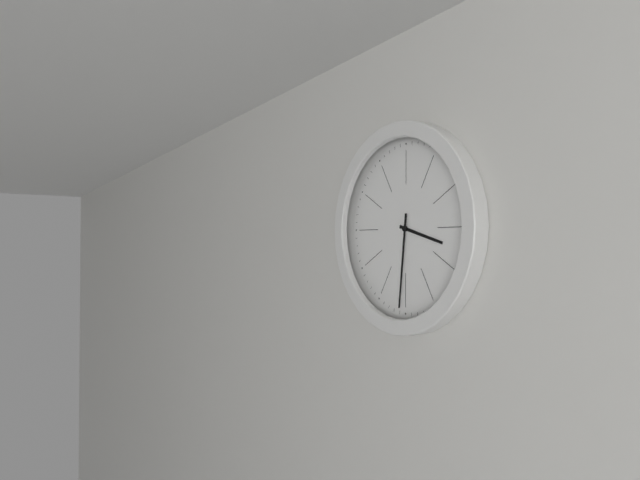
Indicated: 3 h 31 min
